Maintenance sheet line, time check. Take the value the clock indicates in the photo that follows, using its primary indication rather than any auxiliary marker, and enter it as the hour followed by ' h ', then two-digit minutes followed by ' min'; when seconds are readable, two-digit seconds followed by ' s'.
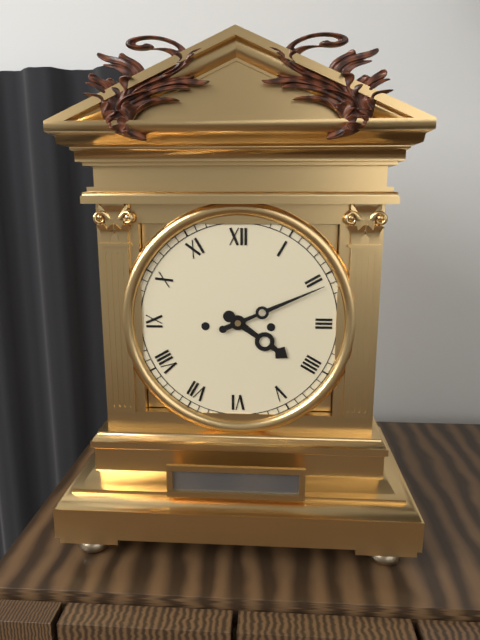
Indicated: 4 h 11 min
